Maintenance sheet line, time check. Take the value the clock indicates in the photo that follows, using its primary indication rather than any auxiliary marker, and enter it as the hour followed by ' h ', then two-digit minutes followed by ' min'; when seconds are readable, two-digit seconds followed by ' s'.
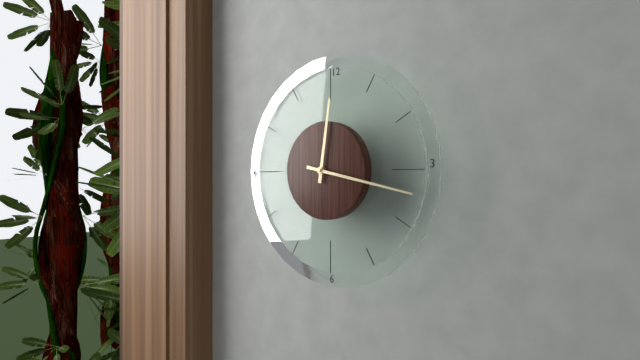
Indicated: 12 h 17 min
